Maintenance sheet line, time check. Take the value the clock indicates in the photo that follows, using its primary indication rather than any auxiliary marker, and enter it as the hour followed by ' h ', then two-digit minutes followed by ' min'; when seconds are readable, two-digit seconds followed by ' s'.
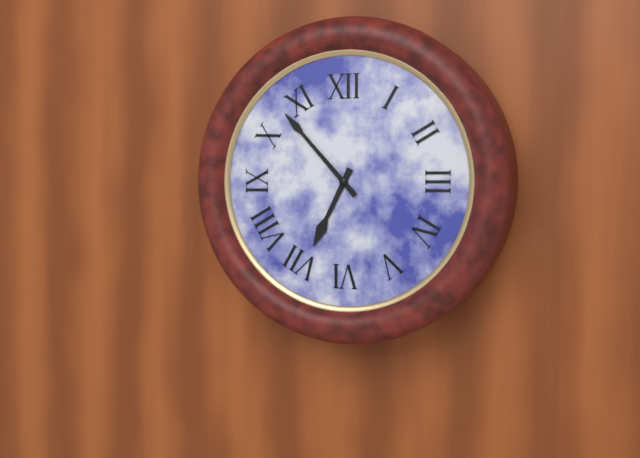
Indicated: 6 h 53 min
